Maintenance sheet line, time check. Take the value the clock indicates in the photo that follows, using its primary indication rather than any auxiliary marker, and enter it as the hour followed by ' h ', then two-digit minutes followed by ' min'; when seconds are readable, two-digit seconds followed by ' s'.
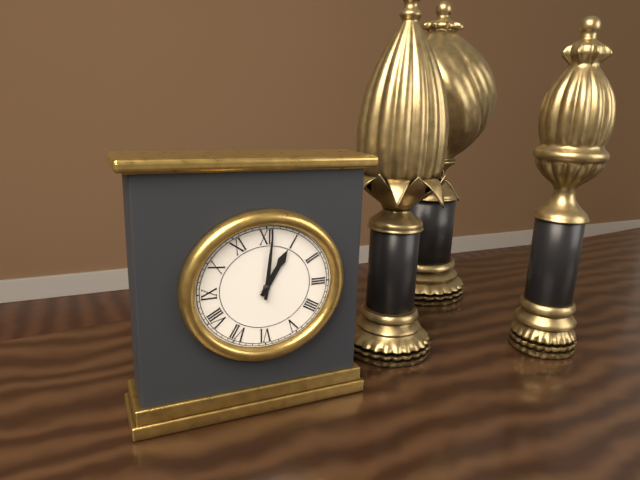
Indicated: 1 h 01 min
